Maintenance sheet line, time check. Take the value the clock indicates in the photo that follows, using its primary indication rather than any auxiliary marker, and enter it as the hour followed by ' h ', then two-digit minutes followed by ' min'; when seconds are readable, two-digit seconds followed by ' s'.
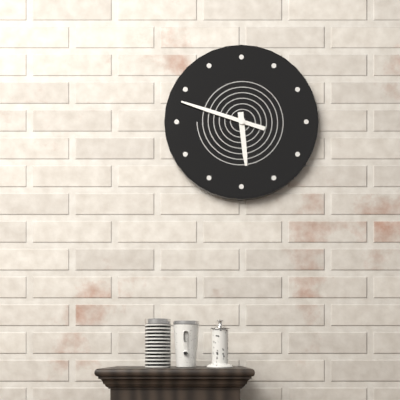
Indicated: 5 h 48 min
